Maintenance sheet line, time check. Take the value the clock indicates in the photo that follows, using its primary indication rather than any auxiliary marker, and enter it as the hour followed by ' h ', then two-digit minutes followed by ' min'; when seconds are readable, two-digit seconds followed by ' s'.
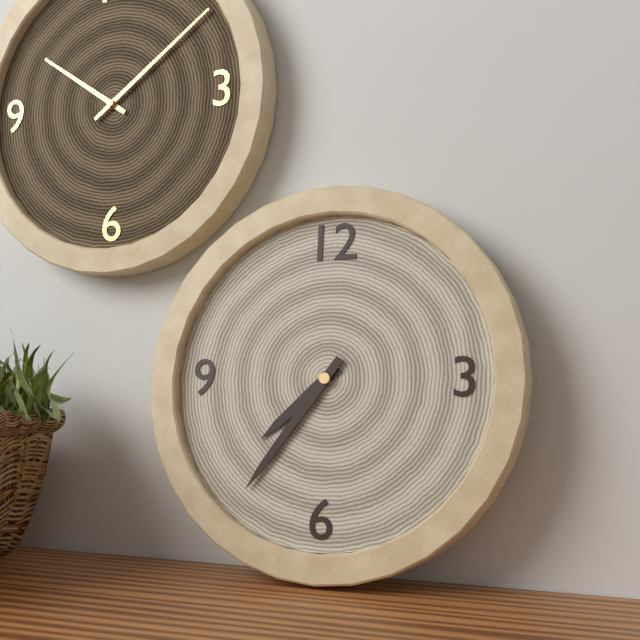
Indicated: 7 h 36 min
